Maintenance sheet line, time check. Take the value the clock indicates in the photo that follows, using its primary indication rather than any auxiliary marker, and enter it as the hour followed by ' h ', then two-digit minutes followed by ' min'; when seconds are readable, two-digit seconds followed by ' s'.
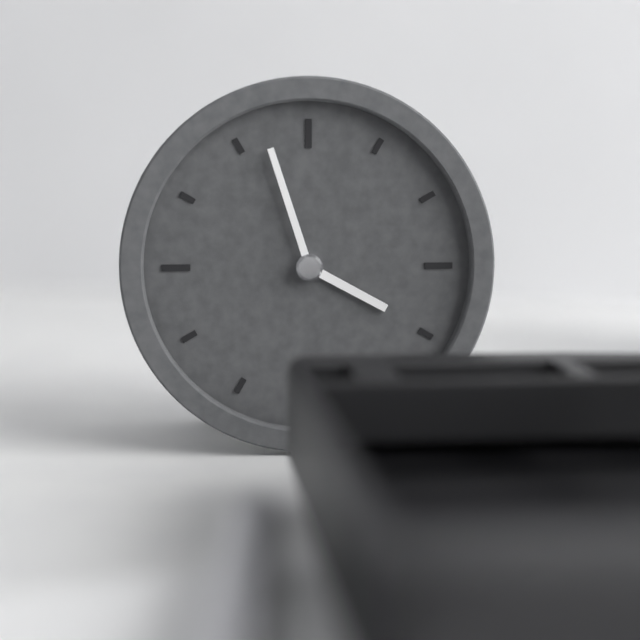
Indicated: 3 h 57 min
